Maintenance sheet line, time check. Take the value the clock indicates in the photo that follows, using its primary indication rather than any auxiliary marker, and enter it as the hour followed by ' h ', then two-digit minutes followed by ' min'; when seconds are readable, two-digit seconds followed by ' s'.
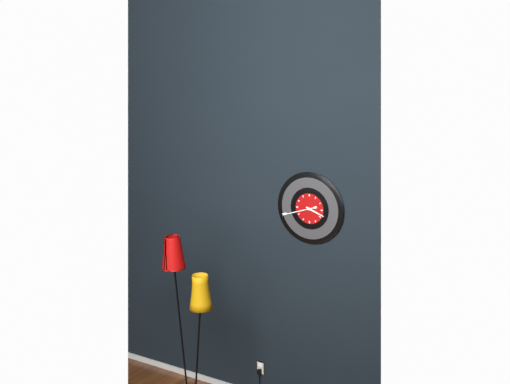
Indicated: 3 h 42 min
